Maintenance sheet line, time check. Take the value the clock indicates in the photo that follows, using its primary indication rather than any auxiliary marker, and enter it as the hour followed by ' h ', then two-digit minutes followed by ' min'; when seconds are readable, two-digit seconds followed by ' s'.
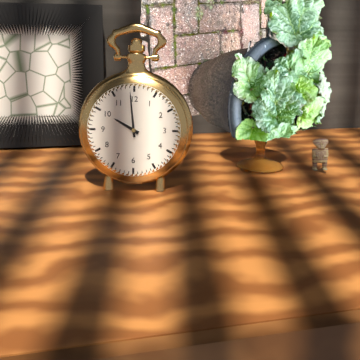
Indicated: 9 h 59 min
